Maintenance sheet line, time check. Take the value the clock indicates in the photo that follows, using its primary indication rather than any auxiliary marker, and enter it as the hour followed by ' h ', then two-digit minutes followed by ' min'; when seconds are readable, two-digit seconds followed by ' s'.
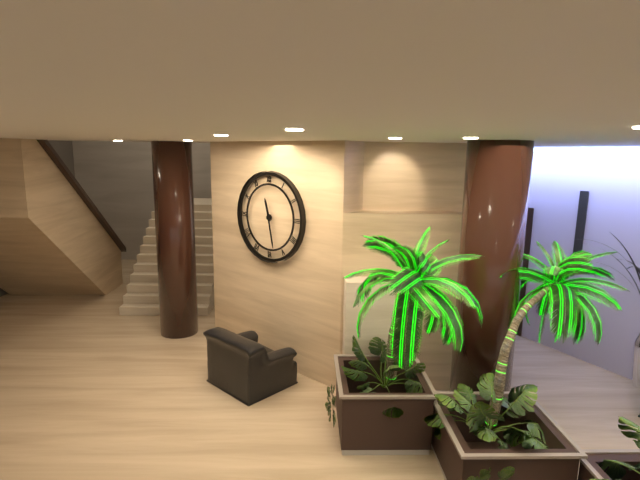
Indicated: 11 h 28 min
